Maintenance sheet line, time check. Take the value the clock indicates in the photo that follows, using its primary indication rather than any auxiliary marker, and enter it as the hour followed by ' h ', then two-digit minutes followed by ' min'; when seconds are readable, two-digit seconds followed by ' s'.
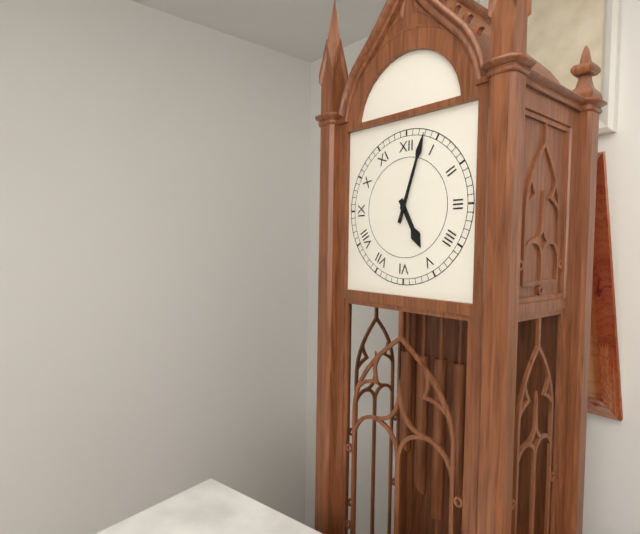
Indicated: 5 h 03 min
